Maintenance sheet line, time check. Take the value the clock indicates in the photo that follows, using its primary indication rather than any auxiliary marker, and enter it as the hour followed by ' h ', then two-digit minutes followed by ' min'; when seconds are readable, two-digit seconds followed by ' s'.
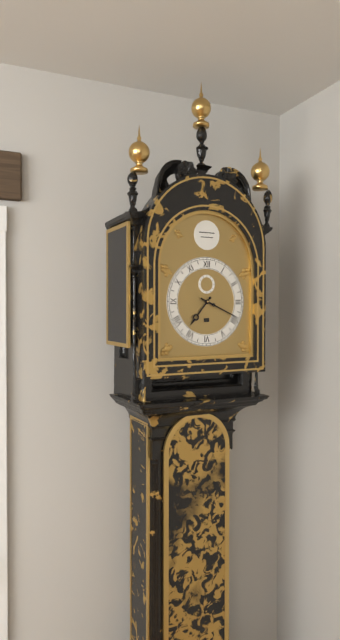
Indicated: 7 h 19 min
